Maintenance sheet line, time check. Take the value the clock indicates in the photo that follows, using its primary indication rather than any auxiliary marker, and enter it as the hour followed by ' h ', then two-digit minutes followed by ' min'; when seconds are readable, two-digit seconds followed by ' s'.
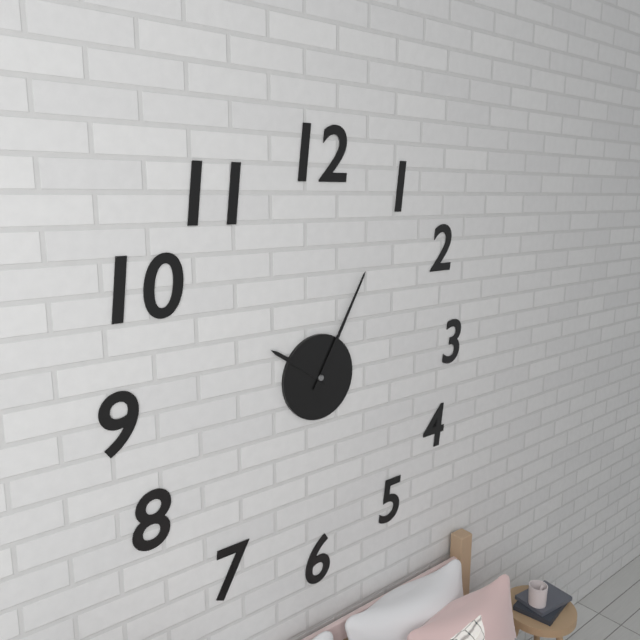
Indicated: 10 h 05 min
